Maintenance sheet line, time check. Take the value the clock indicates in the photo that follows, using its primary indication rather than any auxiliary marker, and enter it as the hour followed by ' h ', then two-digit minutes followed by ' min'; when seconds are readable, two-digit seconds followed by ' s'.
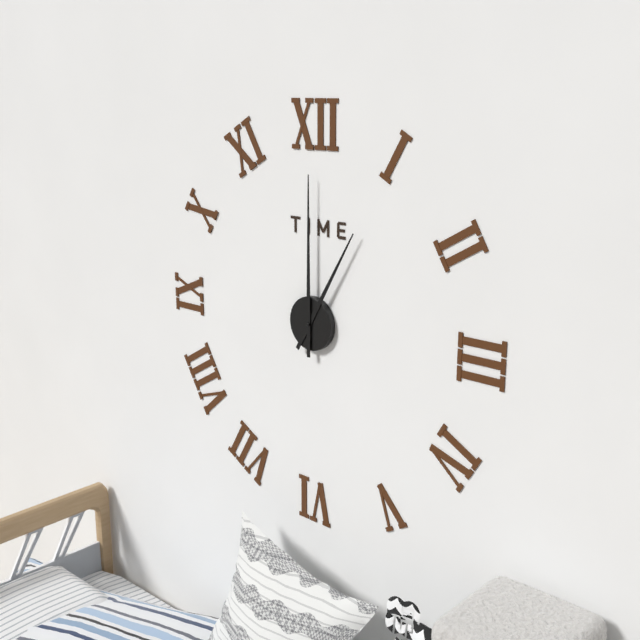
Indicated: 1 h 00 min
